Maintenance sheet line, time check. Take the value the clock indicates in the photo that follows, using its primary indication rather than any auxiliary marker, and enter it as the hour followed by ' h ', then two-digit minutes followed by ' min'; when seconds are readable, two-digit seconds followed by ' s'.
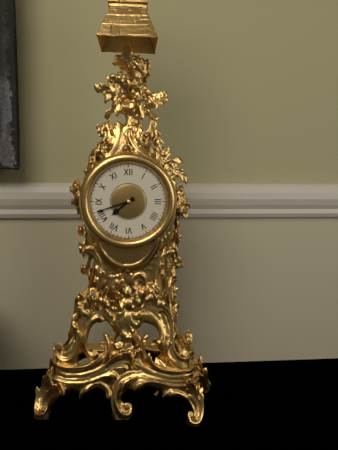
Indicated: 7 h 42 min
